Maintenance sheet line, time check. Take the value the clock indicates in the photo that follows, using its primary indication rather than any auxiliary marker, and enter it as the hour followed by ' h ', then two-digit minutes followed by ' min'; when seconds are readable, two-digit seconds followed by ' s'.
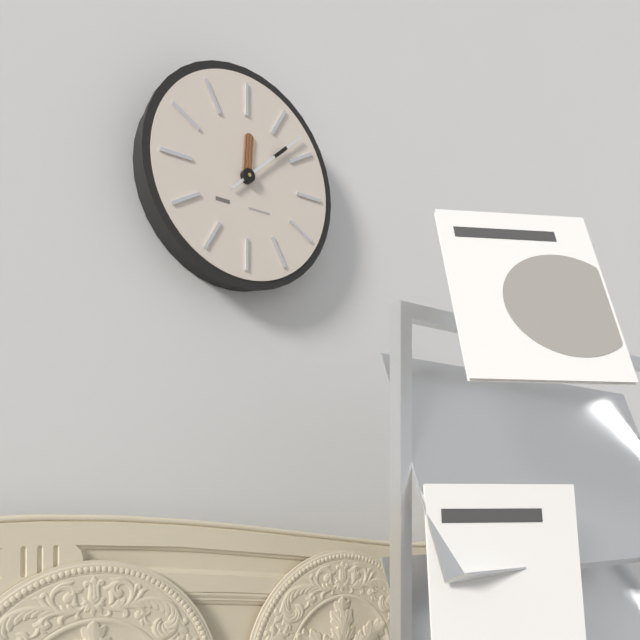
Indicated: 12 h 08 min
